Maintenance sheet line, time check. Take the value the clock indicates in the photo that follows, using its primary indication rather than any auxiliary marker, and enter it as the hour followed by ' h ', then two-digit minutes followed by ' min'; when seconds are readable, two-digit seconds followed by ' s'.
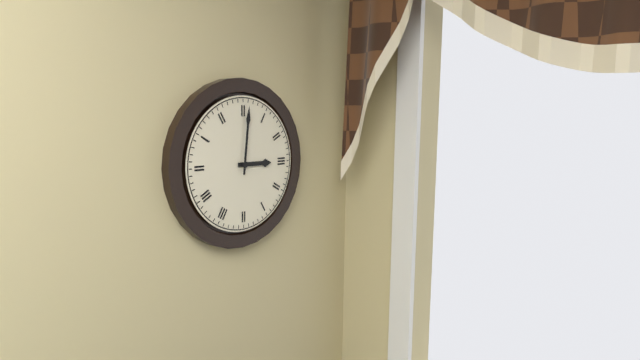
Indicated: 3 h 01 min
